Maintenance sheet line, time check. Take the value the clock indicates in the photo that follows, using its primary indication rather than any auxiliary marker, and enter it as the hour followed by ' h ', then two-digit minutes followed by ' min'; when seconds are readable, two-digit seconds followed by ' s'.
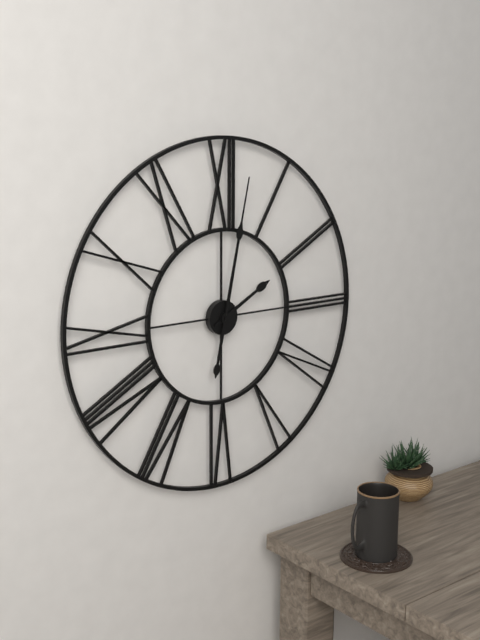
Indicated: 2 h 02 min
